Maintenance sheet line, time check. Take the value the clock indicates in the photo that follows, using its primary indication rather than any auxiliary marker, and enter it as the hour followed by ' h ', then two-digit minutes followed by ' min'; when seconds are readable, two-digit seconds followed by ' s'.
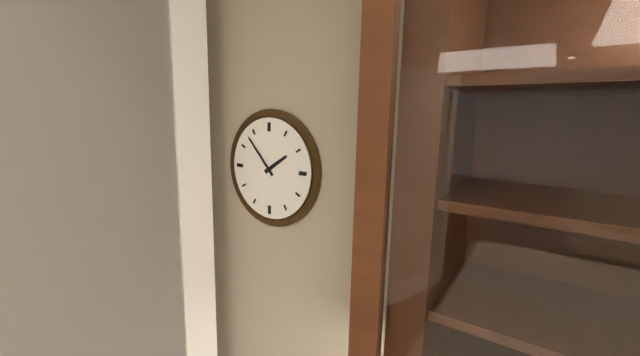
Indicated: 1 h 53 min
